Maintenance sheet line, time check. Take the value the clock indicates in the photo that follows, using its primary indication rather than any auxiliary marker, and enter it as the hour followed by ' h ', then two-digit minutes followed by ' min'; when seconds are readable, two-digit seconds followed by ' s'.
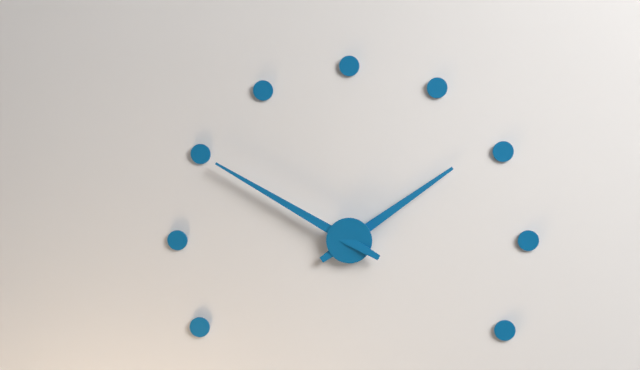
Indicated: 1 h 50 min
